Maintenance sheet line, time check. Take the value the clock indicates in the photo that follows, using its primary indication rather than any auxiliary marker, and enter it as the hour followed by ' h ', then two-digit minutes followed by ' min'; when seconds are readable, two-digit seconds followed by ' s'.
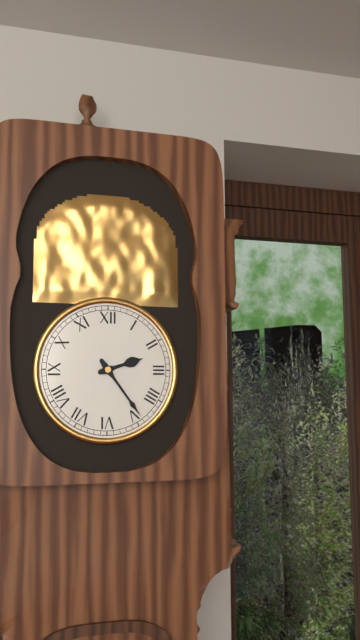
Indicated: 2 h 24 min
